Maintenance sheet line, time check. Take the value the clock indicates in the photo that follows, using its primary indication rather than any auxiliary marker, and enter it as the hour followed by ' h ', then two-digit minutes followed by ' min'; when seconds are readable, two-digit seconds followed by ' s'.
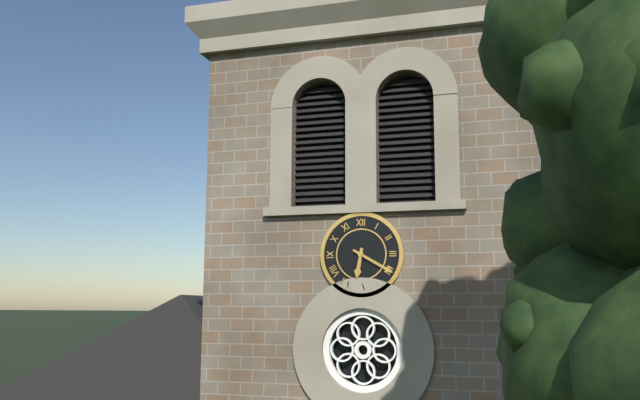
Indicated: 6 h 20 min
